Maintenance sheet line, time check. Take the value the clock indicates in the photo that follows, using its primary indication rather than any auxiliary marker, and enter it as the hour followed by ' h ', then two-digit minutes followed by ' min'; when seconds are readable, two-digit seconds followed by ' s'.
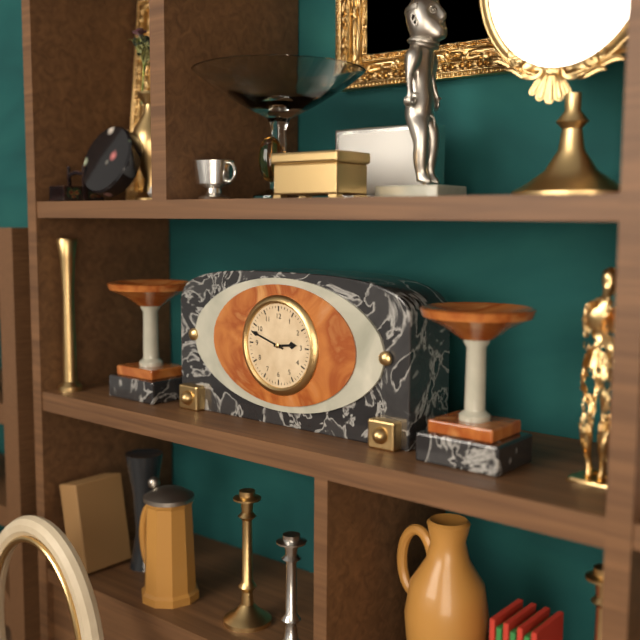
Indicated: 2 h 48 min
